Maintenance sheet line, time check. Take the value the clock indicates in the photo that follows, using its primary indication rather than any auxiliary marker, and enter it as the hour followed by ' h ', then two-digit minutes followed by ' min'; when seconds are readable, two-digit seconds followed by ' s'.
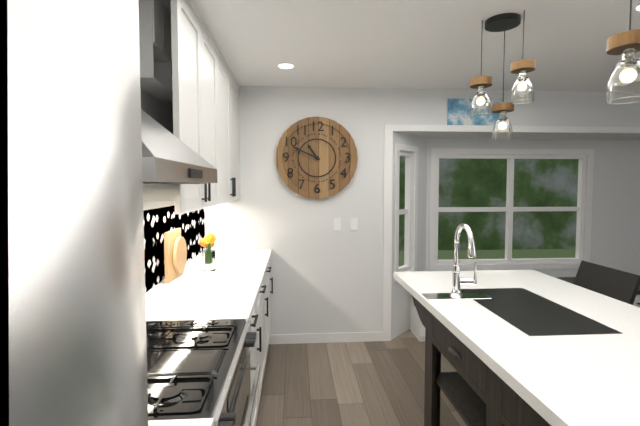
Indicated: 10 h 49 min
